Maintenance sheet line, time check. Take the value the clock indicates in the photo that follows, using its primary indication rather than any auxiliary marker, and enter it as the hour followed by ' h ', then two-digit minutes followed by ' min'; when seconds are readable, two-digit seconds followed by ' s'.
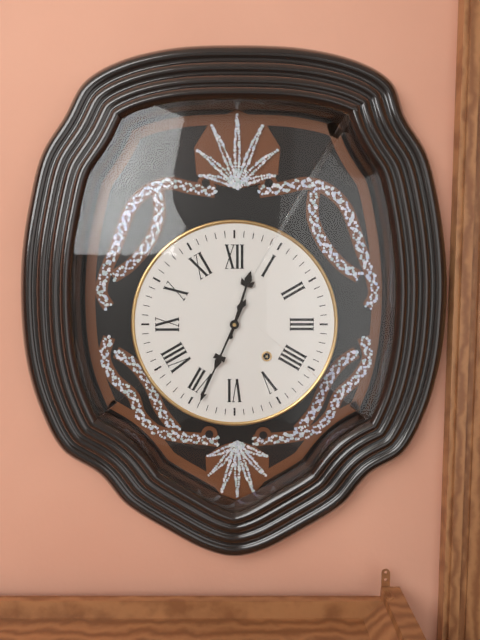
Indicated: 12 h 34 min
